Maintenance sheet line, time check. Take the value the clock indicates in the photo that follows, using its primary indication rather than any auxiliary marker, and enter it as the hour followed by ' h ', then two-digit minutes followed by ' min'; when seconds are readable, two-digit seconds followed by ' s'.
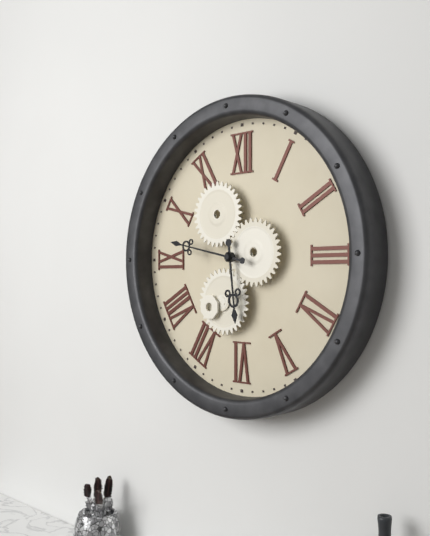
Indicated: 5 h 47 min
